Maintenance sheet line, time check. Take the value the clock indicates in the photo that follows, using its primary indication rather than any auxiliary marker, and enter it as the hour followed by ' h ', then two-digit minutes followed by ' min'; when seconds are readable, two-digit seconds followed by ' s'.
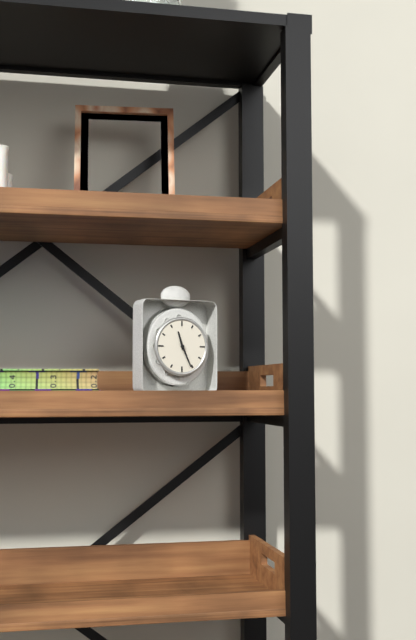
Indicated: 11 h 26 min
